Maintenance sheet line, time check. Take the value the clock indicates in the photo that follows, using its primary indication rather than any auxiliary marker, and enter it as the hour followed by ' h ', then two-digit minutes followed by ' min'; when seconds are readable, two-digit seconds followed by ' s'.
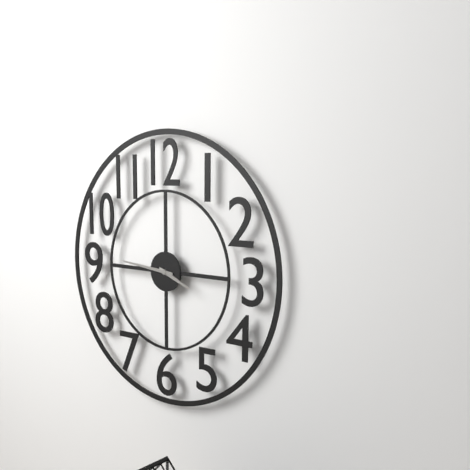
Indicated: 3 h 46 min
